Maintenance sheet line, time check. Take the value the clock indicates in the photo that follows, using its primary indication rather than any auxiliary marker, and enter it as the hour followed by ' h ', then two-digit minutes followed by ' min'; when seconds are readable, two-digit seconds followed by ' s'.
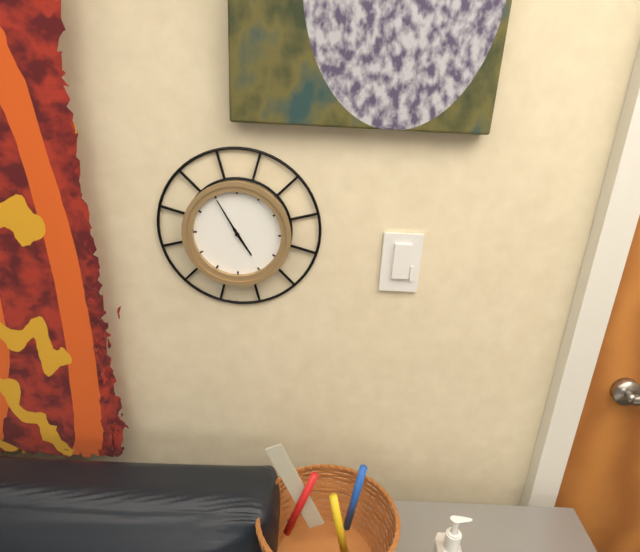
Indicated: 4 h 55 min
